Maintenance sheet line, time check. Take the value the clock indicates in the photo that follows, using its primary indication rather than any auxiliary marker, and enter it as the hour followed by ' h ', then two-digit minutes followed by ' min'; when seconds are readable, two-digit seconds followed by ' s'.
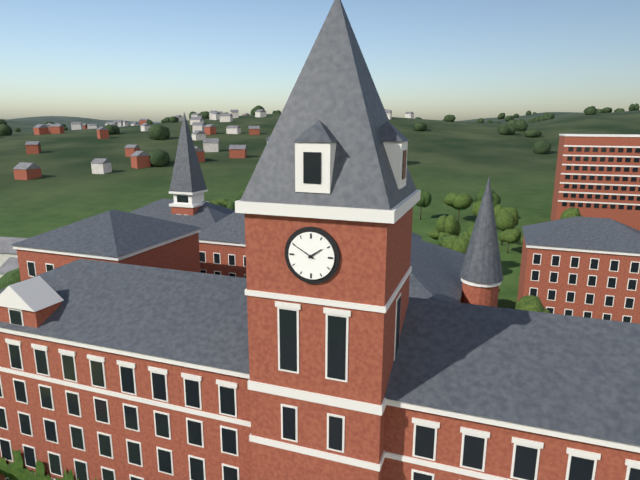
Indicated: 1 h 50 min
